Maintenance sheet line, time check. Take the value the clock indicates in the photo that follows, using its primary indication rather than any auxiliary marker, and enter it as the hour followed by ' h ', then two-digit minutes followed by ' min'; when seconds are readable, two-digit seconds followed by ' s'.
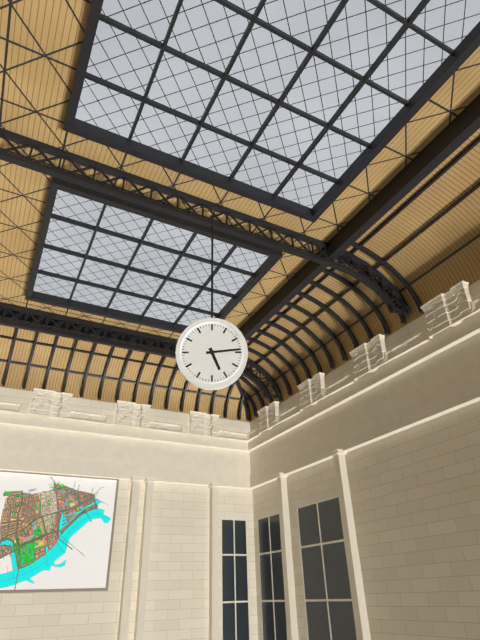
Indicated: 5 h 14 min
